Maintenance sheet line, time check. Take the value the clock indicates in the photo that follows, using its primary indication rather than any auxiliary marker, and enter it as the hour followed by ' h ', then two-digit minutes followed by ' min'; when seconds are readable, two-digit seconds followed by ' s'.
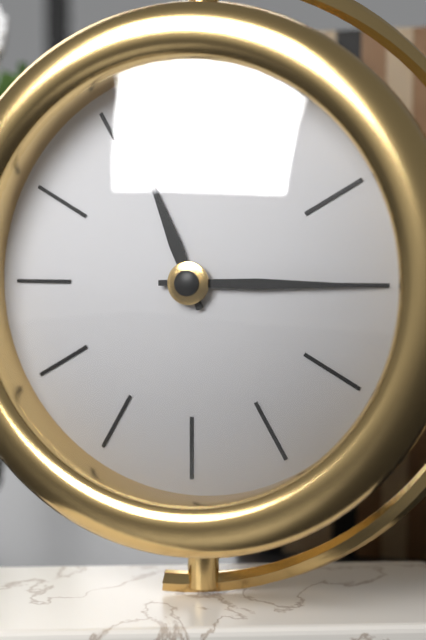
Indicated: 11 h 15 min
